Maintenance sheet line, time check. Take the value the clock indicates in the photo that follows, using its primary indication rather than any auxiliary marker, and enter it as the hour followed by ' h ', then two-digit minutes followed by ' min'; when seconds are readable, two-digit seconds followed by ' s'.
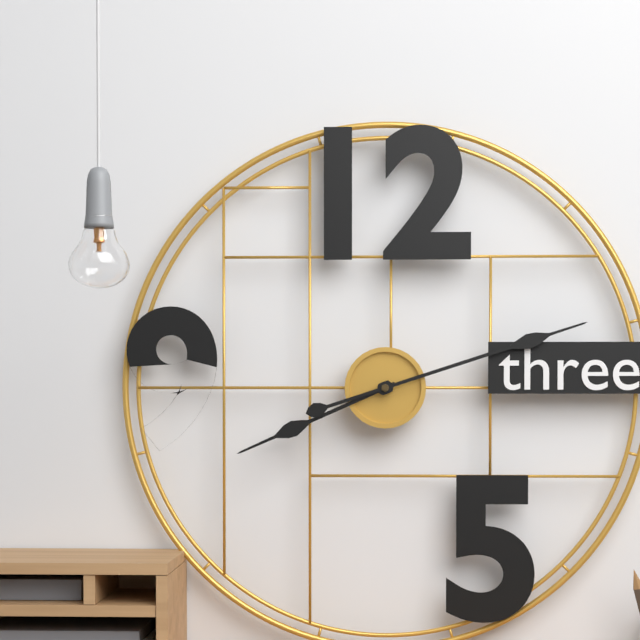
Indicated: 8 h 12 min
